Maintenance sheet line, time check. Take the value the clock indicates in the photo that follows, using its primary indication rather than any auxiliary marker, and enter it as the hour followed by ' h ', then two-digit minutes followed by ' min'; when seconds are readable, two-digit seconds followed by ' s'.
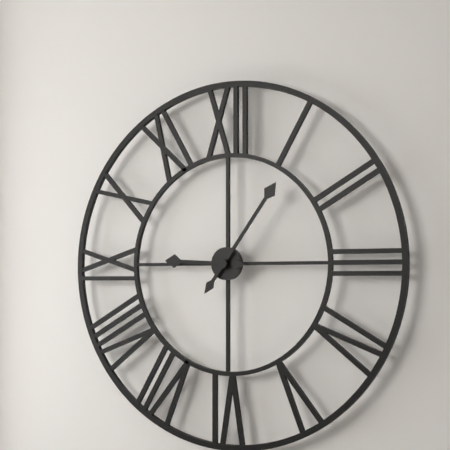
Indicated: 9 h 06 min
